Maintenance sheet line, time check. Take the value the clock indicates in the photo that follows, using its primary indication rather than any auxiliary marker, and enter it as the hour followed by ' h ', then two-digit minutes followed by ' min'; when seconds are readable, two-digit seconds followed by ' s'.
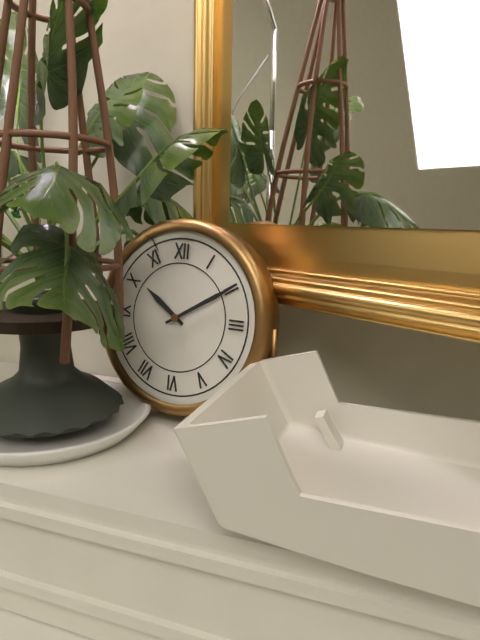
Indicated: 10 h 10 min
